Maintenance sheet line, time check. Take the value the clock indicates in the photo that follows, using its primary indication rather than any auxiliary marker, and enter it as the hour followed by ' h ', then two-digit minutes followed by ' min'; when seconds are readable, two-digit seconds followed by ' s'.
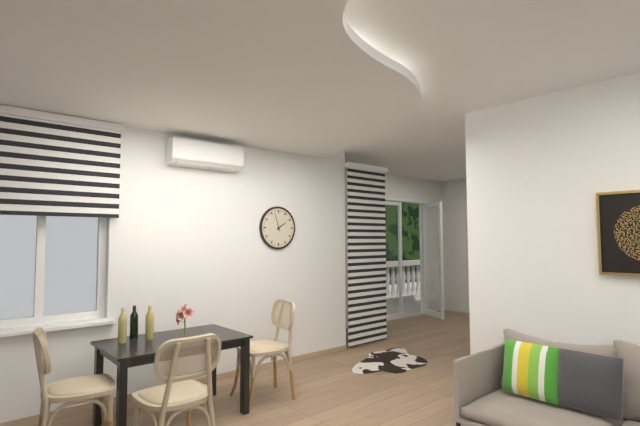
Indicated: 1 h 57 min
